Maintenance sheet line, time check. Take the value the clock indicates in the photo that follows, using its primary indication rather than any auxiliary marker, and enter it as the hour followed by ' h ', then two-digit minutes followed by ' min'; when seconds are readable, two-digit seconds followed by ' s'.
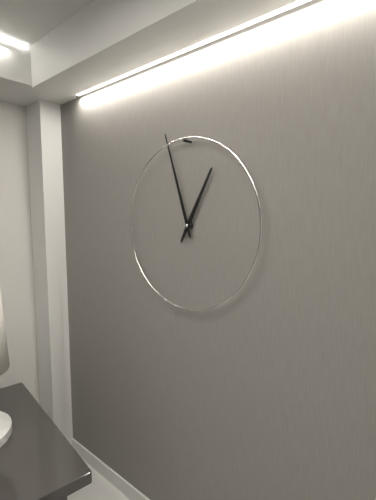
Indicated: 12 h 57 min
